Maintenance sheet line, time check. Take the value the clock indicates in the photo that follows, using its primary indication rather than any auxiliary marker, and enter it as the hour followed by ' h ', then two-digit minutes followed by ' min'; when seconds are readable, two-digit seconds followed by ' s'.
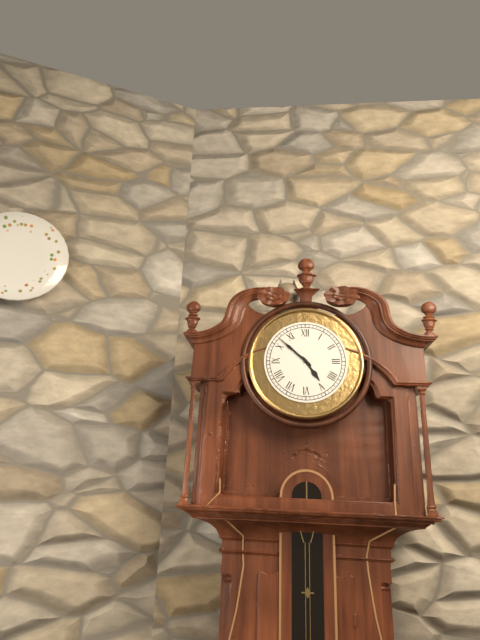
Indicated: 4 h 52 min
